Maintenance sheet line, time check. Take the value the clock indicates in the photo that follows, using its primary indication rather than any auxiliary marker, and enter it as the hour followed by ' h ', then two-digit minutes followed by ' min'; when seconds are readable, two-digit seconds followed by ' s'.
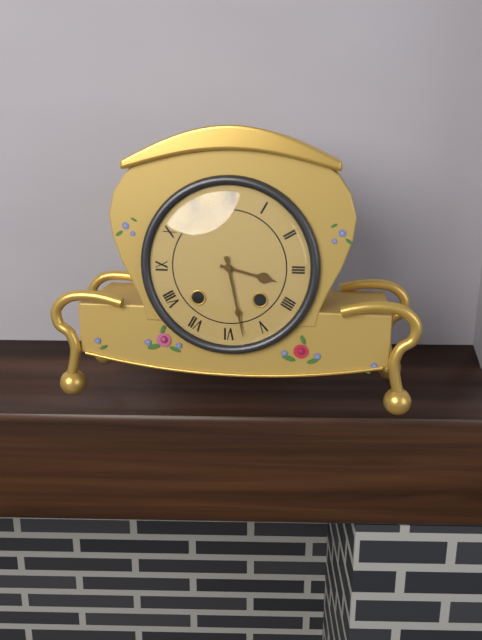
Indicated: 3 h 28 min
